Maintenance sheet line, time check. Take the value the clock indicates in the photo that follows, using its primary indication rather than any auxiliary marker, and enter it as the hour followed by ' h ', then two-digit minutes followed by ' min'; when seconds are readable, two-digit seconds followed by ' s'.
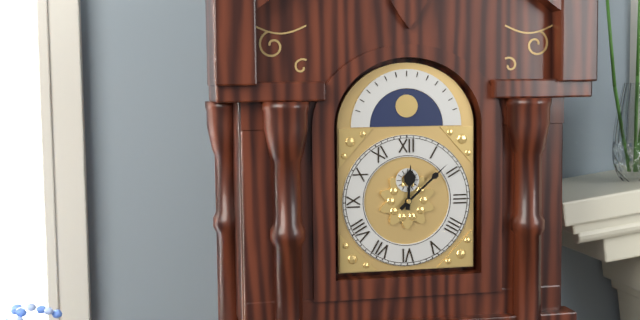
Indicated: 12 h 08 min
